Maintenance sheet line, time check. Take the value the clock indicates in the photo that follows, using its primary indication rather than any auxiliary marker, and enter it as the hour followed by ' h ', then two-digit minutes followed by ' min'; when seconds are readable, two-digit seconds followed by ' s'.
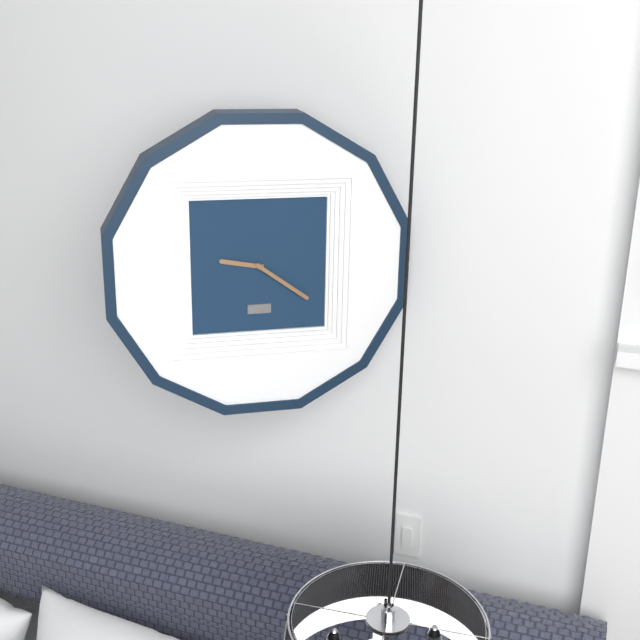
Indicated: 9 h 21 min
